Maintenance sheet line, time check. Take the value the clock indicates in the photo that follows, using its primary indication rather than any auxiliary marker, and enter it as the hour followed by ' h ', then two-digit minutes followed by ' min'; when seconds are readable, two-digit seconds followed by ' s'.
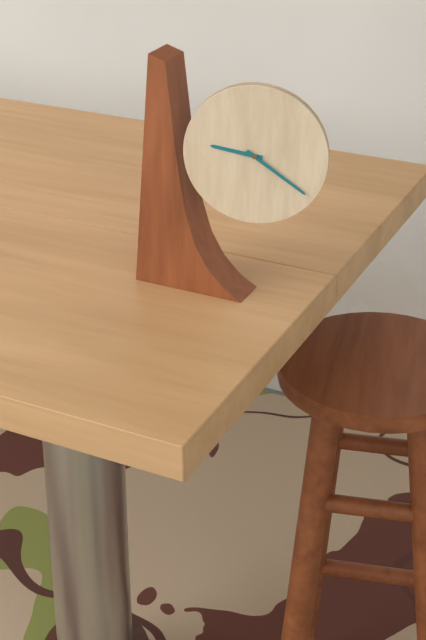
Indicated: 9 h 21 min
